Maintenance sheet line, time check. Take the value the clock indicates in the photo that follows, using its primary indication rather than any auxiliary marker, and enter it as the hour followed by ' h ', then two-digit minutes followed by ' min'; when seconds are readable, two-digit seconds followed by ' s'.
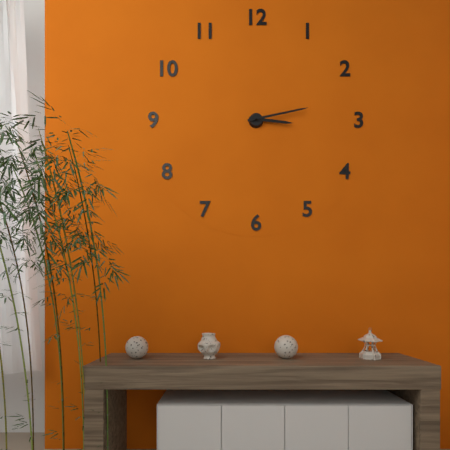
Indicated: 3 h 13 min
